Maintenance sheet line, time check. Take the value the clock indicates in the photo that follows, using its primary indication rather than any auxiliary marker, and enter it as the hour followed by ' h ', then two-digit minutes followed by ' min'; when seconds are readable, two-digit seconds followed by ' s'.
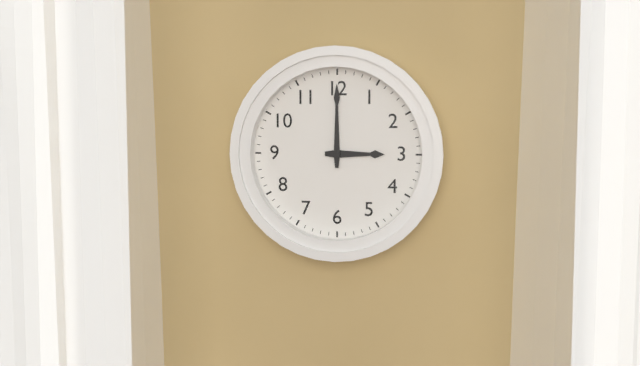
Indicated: 3 h 00 min
